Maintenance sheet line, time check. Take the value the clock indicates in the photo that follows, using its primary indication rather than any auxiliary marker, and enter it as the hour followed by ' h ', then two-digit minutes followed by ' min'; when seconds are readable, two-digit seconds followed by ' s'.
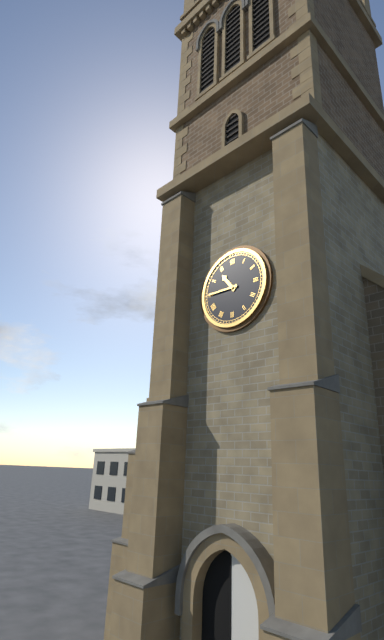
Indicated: 10 h 45 min
